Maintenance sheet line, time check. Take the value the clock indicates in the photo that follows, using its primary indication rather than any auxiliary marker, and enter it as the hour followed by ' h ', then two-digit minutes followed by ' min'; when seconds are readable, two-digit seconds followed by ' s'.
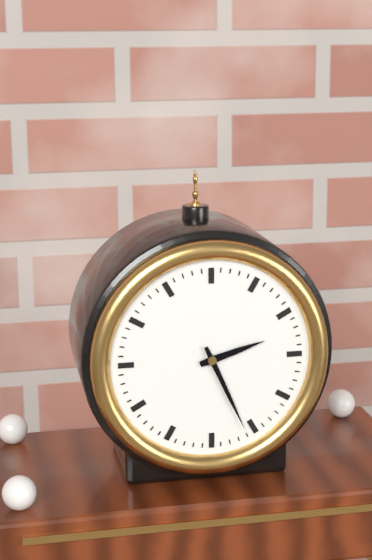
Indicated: 2 h 26 min
